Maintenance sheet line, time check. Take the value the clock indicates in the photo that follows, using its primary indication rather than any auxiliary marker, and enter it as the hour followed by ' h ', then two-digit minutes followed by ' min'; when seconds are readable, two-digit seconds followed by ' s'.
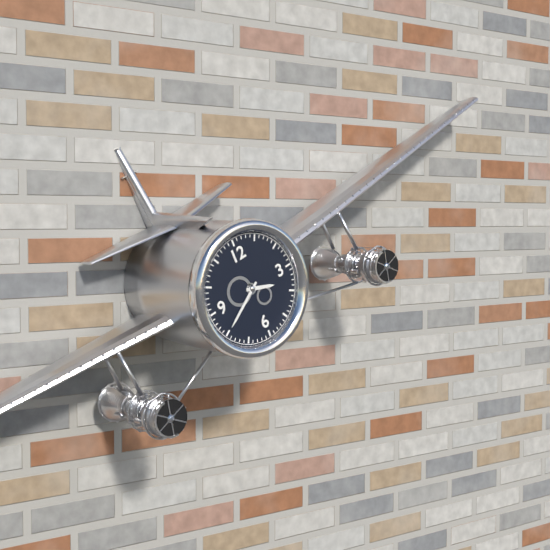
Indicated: 3 h 40 min
